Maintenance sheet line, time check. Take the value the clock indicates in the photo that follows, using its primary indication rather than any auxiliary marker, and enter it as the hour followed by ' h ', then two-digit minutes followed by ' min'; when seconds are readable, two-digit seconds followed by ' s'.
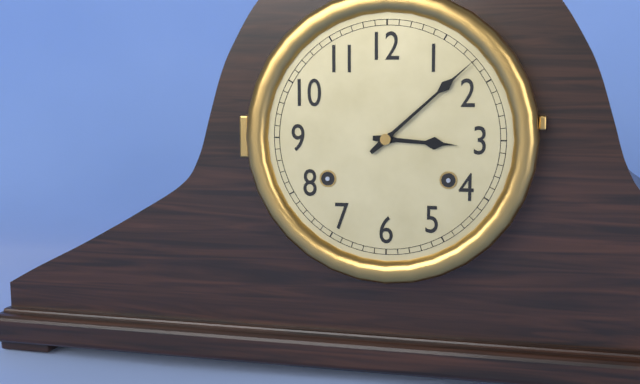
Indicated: 3 h 08 min
